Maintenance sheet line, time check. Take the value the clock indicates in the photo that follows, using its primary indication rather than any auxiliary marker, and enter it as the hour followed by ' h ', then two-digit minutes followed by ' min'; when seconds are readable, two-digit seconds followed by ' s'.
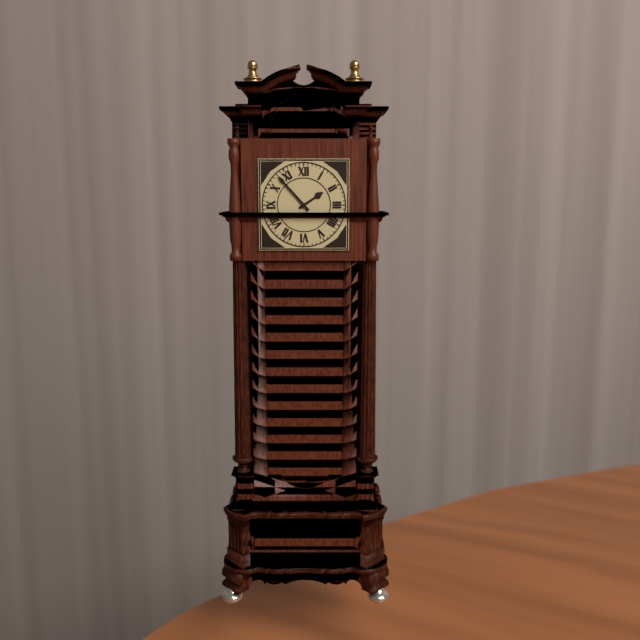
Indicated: 1 h 53 min
